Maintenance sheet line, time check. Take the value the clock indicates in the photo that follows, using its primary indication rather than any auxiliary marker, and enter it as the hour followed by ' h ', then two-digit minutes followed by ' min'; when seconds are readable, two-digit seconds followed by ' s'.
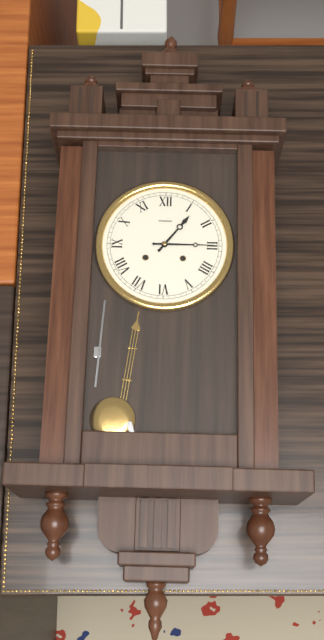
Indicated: 1 h 15 min
